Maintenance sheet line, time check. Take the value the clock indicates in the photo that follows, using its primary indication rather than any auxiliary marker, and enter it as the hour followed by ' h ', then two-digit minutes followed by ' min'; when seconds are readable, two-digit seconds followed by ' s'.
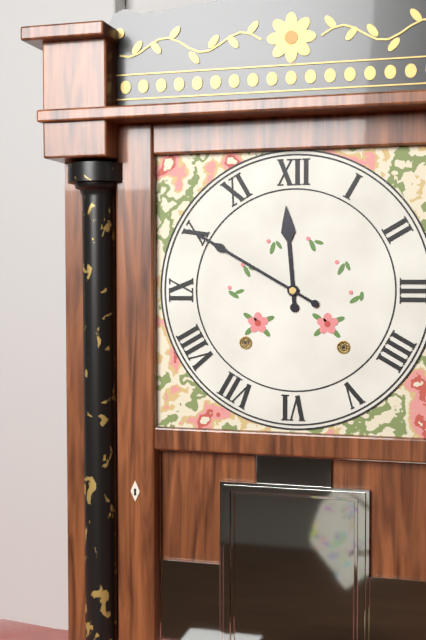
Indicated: 11 h 50 min
